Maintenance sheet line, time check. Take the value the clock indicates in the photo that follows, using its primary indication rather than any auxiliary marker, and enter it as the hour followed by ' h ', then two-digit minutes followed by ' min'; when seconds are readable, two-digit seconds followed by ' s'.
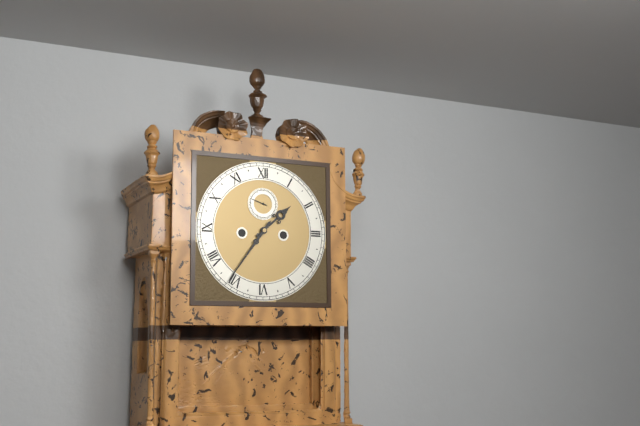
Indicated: 1 h 36 min
